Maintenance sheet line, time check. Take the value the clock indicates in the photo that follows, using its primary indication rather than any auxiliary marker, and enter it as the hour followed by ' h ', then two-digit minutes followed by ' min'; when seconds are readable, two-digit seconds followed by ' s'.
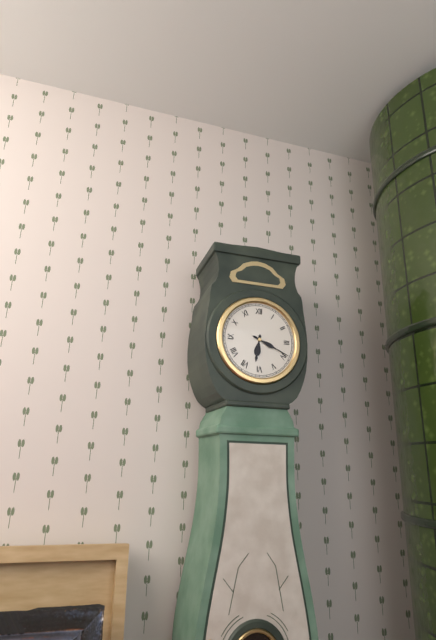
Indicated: 6 h 19 min
